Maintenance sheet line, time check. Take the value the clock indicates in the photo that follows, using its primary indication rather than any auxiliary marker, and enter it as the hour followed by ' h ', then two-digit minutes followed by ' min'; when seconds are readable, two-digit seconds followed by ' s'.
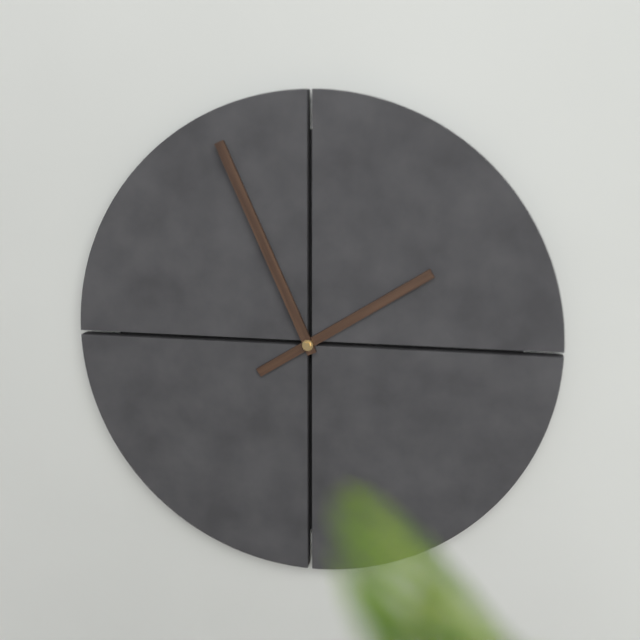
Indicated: 1 h 56 min
